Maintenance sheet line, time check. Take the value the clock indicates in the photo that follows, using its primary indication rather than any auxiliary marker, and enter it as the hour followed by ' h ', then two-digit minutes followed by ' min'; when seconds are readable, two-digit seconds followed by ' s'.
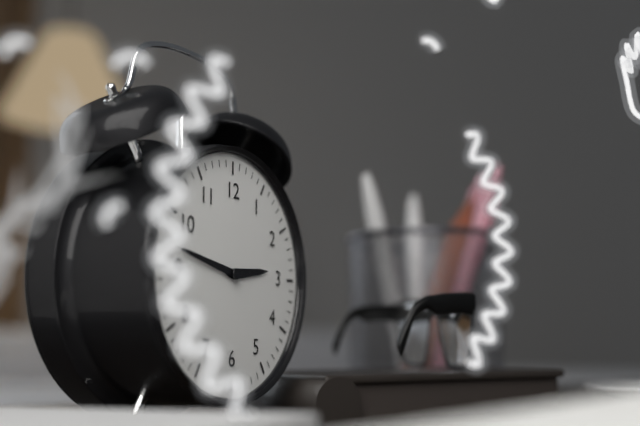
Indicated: 2 h 47 min
